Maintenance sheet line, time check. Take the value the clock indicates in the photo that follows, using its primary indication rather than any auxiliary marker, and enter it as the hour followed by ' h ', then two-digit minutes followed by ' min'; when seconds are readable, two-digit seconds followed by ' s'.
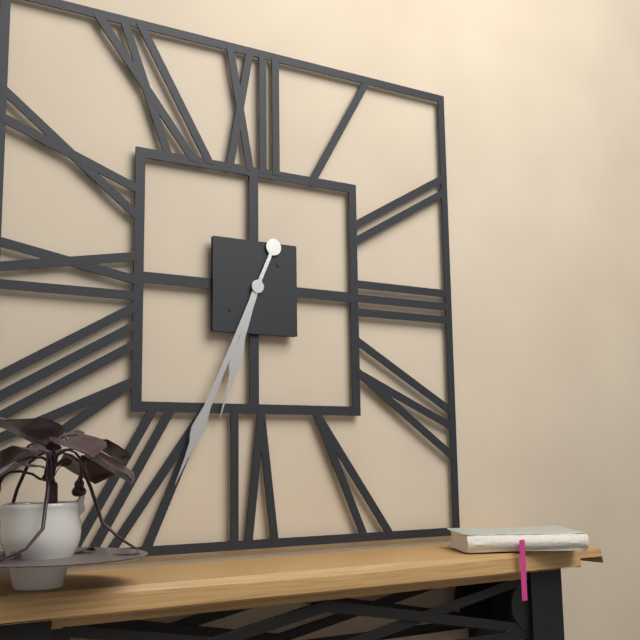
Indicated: 6 h 34 min
